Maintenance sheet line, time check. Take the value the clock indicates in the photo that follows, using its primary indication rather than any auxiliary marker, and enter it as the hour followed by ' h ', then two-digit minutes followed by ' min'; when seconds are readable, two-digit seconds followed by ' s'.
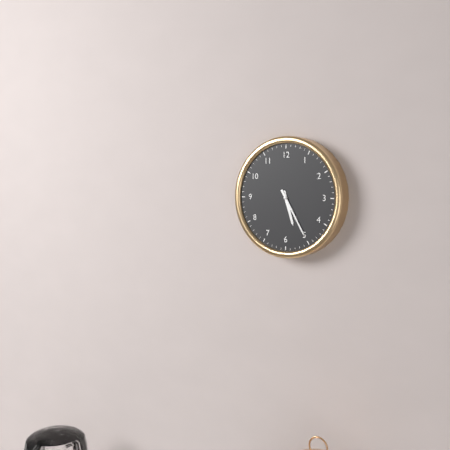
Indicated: 5 h 25 min
